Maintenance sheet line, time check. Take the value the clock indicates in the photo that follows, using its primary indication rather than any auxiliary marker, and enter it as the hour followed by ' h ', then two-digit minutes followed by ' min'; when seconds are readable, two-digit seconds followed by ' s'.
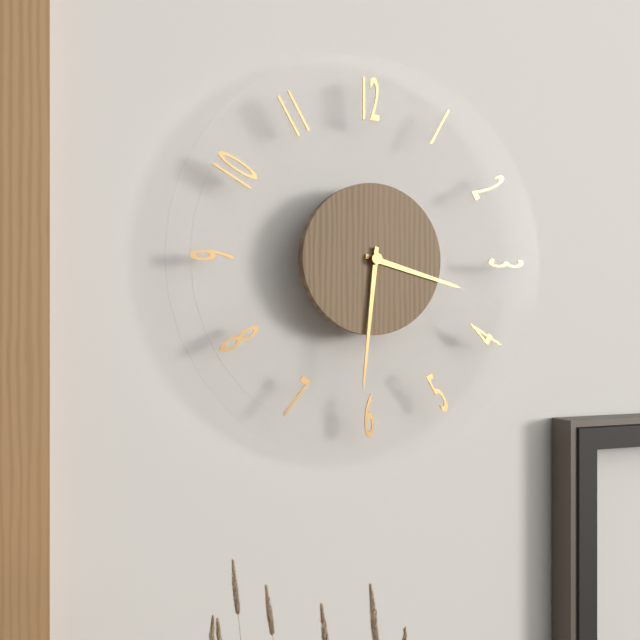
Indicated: 3 h 31 min
